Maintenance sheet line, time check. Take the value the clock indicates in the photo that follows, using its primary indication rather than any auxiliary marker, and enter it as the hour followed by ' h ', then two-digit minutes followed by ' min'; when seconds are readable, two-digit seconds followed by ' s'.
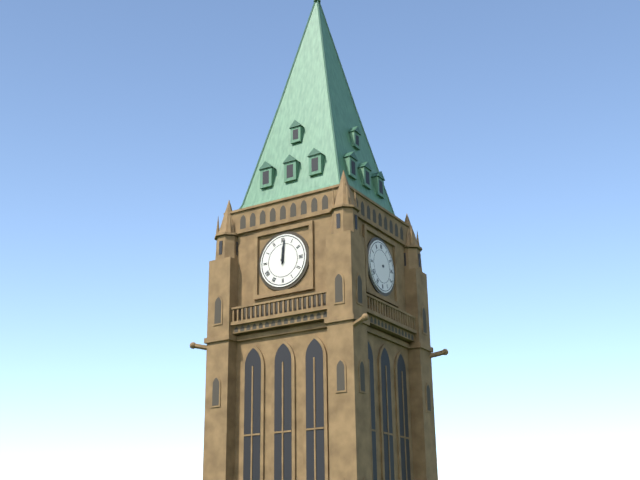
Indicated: 12 h 01 min
